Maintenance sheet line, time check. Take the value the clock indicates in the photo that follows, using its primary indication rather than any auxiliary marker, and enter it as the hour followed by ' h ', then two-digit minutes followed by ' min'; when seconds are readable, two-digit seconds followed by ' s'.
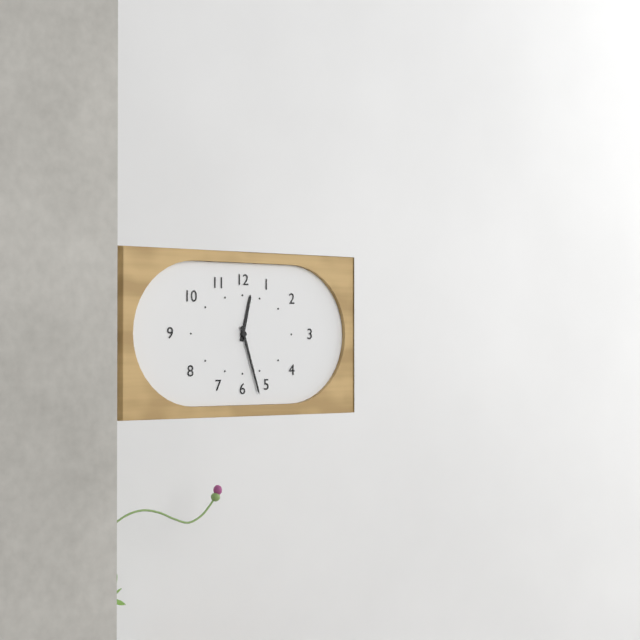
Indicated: 12 h 27 min
